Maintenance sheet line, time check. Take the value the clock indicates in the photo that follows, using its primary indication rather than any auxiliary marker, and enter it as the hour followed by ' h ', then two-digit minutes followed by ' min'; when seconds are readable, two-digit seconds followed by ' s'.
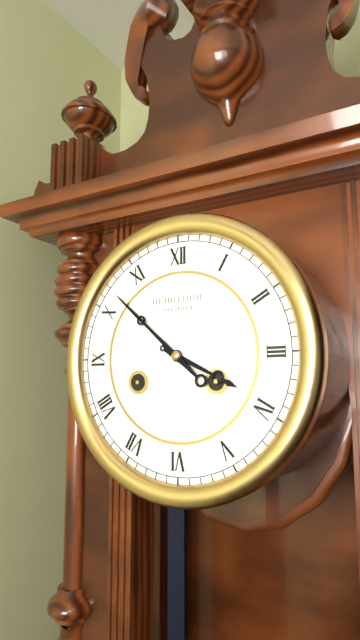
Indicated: 3 h 52 min
